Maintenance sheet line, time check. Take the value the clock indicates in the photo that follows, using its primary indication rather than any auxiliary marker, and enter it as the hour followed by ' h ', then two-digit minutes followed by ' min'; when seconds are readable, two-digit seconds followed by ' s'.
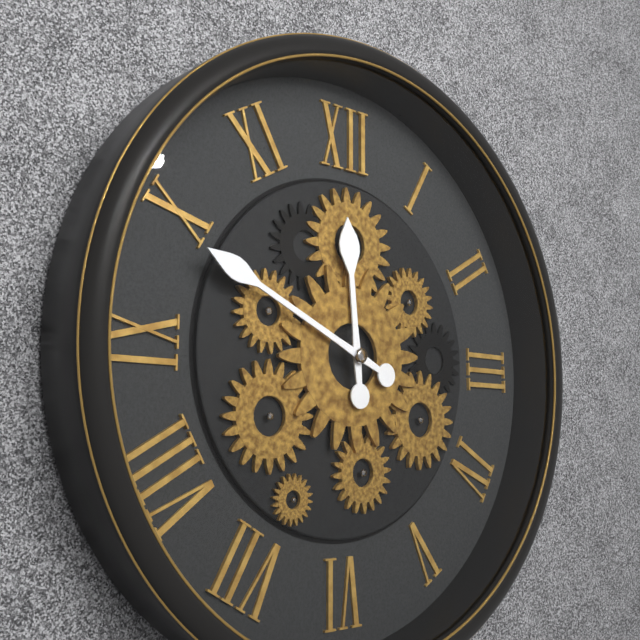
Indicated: 11 h 49 min
